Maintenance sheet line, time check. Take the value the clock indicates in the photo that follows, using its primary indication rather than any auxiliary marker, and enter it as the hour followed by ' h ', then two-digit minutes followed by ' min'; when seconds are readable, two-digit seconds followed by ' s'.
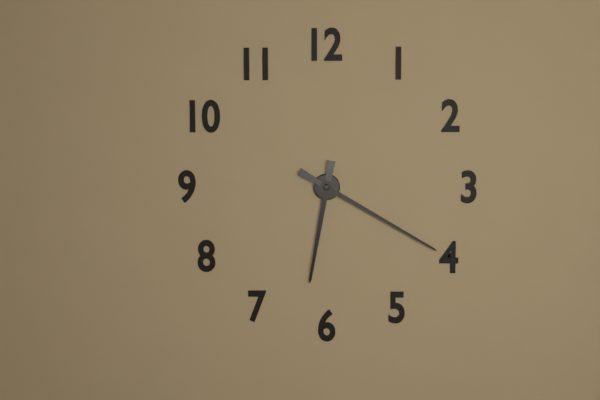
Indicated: 6 h 20 min
